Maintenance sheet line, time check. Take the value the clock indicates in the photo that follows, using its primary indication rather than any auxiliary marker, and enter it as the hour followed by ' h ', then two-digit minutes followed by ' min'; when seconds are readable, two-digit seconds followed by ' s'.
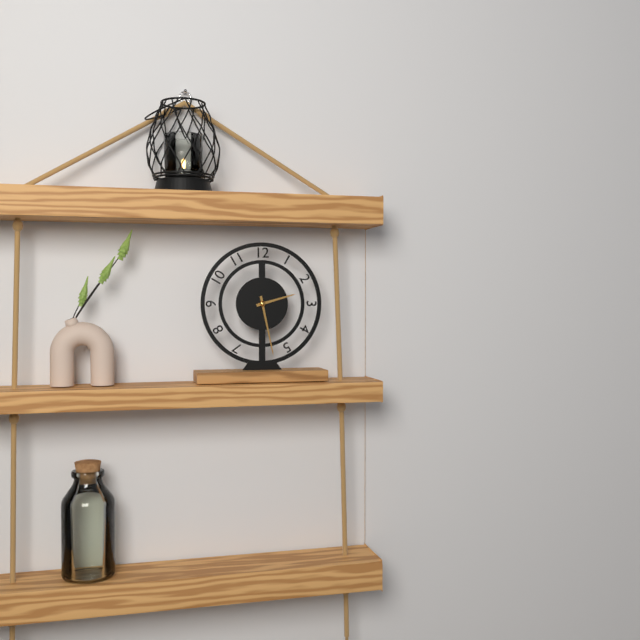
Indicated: 2 h 28 min
